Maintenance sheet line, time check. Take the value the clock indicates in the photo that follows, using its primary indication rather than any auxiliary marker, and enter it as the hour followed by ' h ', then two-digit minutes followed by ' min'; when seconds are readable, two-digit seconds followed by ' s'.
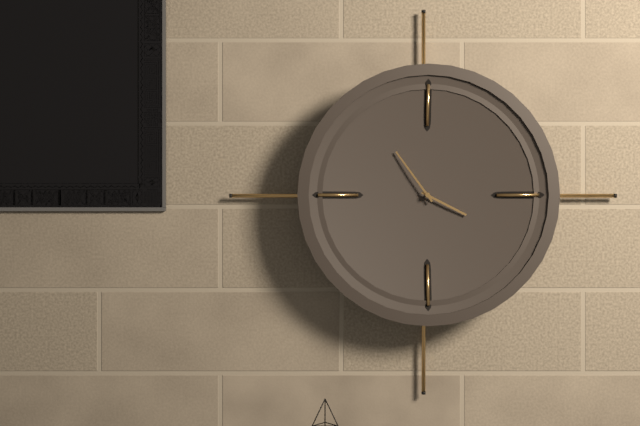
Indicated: 3 h 54 min
